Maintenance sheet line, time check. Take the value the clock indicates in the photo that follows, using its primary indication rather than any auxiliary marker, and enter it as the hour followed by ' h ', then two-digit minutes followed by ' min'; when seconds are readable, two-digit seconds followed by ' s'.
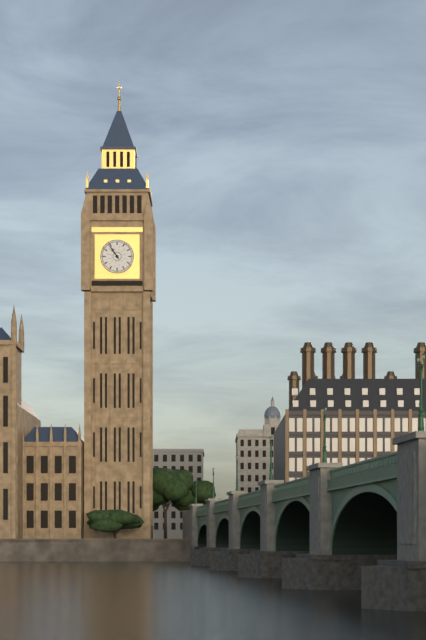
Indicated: 10 h 54 min
